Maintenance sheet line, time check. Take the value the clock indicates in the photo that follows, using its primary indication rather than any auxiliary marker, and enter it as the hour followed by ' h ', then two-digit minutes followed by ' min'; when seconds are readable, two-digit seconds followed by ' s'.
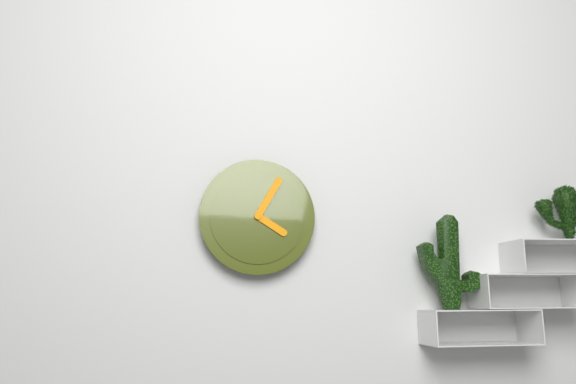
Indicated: 4 h 05 min
